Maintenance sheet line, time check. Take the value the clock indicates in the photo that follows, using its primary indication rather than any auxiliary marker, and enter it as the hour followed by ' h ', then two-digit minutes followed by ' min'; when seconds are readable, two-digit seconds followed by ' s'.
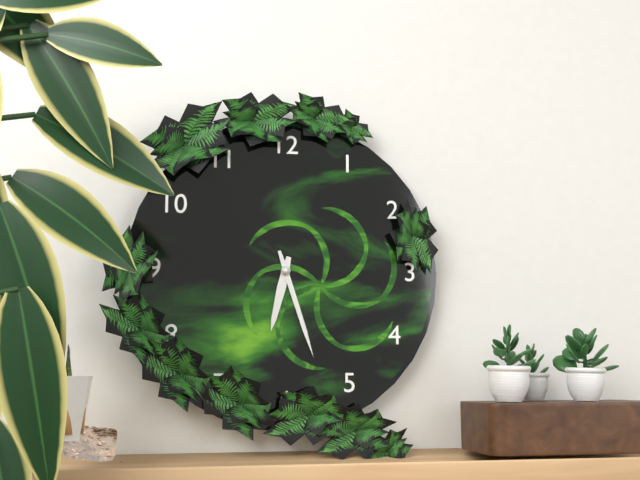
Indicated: 6 h 27 min
